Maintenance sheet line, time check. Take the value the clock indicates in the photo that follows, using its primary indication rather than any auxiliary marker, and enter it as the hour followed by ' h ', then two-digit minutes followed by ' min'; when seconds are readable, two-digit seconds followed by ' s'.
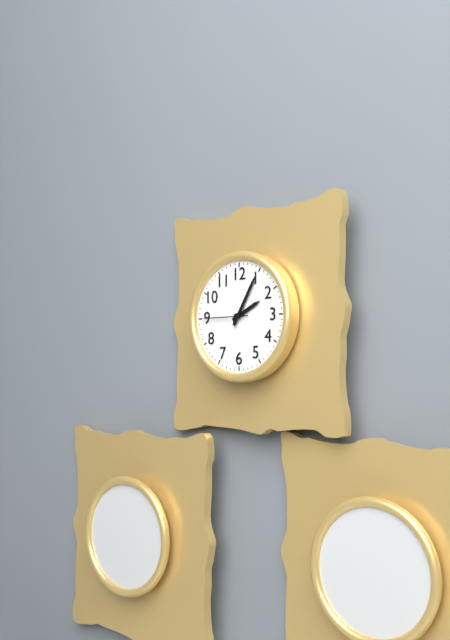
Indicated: 2 h 05 min
